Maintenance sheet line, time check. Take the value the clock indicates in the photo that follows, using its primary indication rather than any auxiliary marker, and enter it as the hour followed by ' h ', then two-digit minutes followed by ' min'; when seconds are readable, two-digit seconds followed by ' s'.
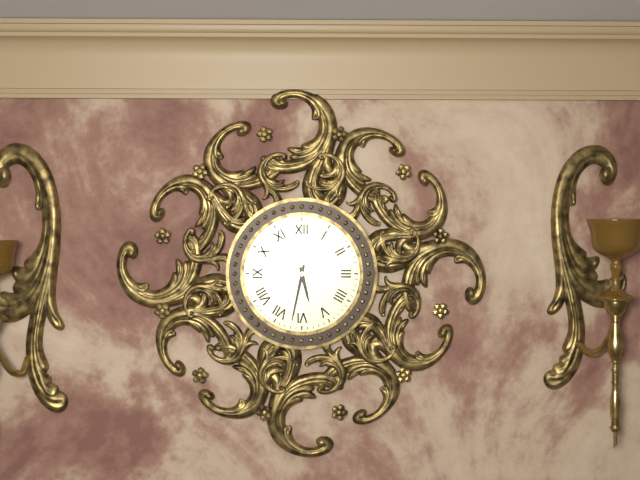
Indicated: 5 h 32 min
